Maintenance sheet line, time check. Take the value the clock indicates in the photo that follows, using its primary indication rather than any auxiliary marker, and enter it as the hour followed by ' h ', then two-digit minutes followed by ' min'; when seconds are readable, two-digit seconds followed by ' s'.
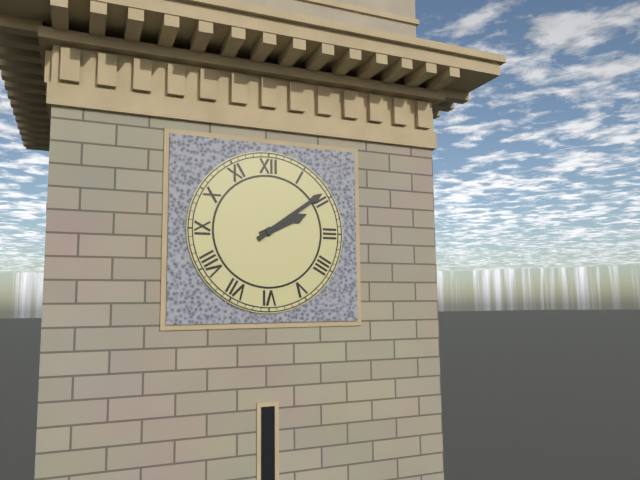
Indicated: 2 h 09 min
